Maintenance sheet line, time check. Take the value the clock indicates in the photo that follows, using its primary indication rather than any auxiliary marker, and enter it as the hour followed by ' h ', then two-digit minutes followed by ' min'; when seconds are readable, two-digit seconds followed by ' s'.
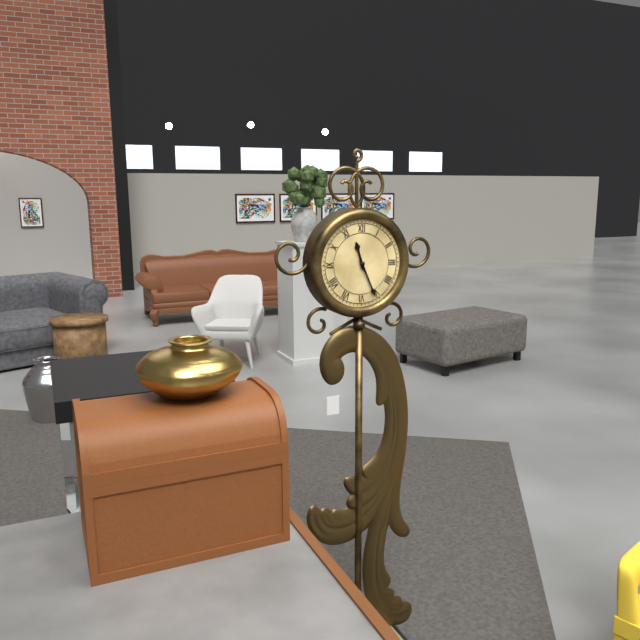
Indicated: 11 h 26 min
